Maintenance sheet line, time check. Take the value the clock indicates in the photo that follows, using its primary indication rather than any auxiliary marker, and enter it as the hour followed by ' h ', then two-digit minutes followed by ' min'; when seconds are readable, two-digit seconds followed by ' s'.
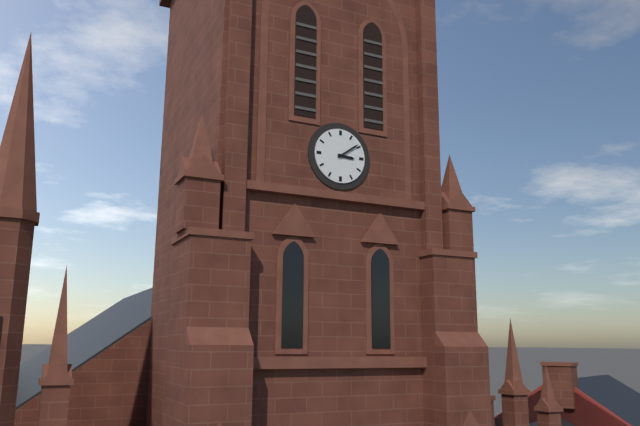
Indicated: 3 h 09 min
